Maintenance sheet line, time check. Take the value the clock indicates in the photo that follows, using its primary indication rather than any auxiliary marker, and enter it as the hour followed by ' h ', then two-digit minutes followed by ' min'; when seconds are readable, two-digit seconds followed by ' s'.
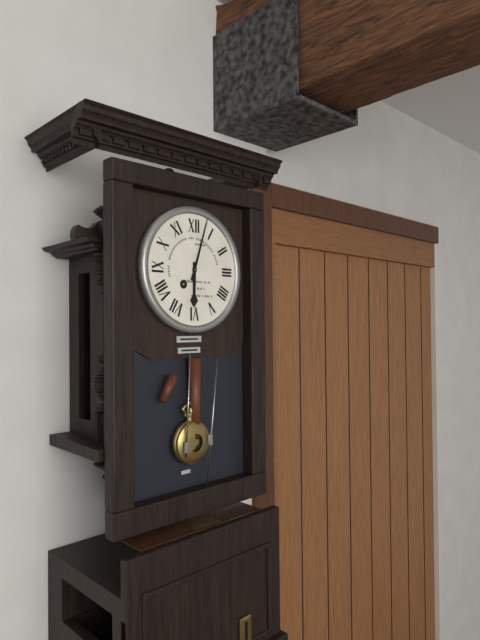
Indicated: 6 h 03 min
